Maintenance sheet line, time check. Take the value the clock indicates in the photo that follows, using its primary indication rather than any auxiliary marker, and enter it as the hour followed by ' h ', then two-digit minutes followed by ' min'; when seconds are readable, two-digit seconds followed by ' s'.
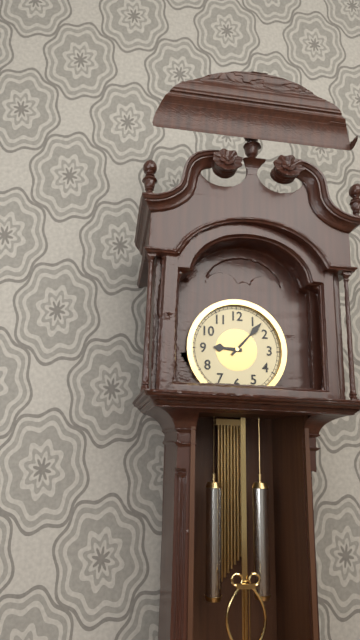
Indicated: 9 h 07 min
